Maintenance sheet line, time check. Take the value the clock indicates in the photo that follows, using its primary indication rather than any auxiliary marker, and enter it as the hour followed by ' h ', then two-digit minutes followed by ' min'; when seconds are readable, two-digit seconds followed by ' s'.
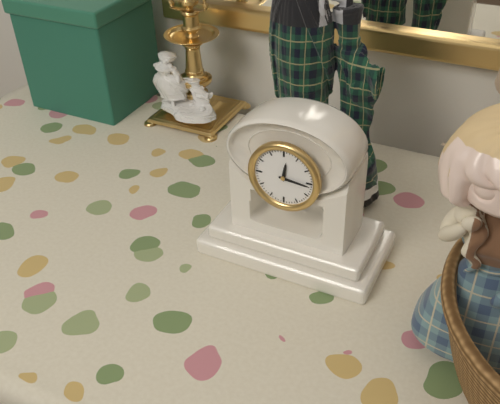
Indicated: 12 h 16 min
